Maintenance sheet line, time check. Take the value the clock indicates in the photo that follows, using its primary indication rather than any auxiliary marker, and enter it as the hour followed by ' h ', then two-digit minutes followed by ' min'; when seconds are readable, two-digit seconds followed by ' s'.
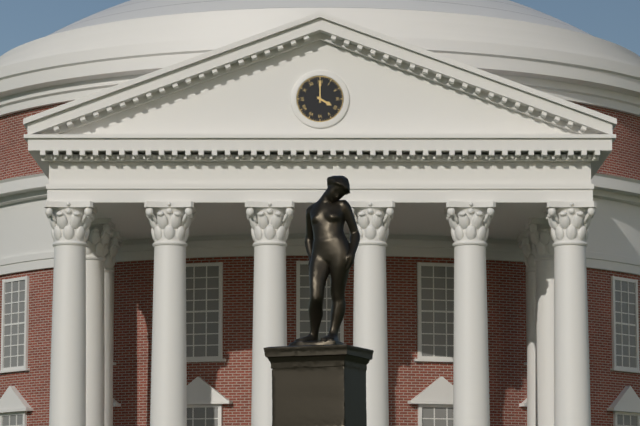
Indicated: 4 h 00 min
